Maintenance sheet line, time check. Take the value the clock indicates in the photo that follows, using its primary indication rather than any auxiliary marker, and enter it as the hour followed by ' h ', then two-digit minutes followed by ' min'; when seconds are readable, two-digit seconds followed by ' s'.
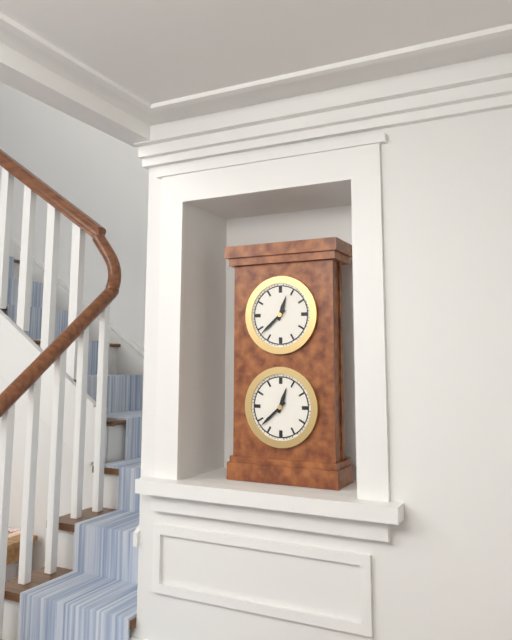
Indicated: 12 h 38 min
